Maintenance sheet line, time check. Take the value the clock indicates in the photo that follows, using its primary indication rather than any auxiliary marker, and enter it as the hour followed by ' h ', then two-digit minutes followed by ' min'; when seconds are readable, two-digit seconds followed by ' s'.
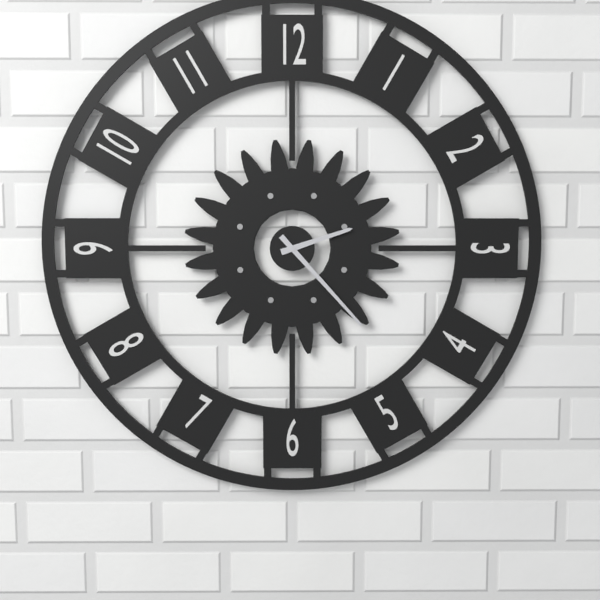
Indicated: 2 h 23 min
